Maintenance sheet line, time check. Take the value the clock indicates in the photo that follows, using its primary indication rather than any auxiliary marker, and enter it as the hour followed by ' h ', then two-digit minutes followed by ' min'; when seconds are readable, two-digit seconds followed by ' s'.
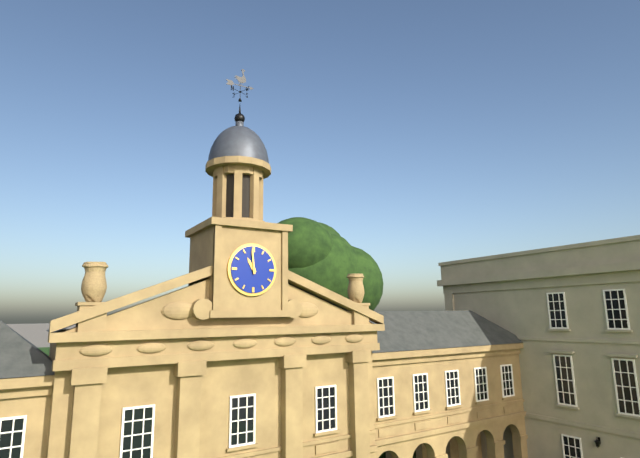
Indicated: 10 h 59 min
